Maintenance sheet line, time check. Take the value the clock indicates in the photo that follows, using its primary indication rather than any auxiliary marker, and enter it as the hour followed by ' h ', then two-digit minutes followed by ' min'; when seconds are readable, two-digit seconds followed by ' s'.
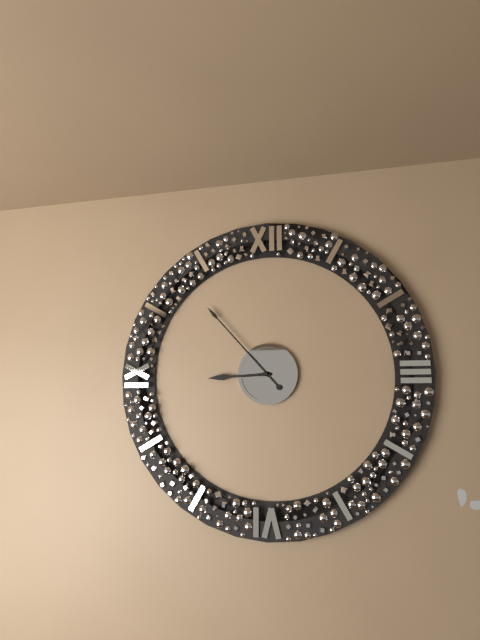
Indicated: 8 h 53 min
